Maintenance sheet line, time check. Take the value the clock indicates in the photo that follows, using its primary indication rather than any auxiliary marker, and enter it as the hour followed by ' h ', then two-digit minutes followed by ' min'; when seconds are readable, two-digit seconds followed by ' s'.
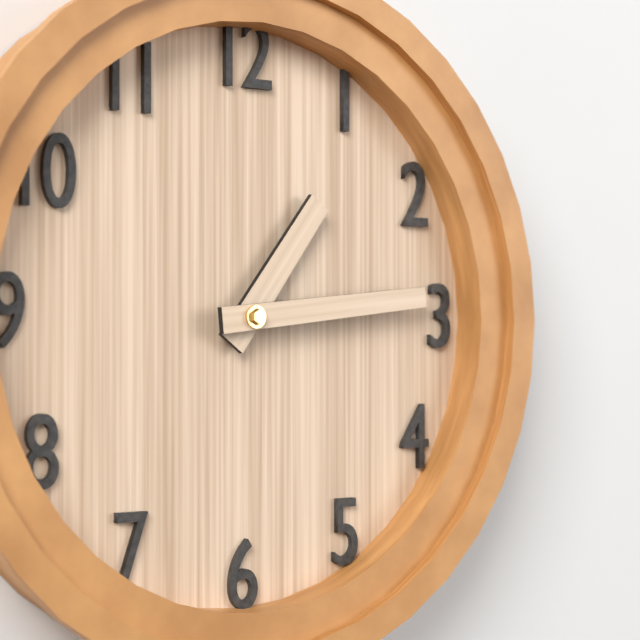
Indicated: 1 h 14 min
